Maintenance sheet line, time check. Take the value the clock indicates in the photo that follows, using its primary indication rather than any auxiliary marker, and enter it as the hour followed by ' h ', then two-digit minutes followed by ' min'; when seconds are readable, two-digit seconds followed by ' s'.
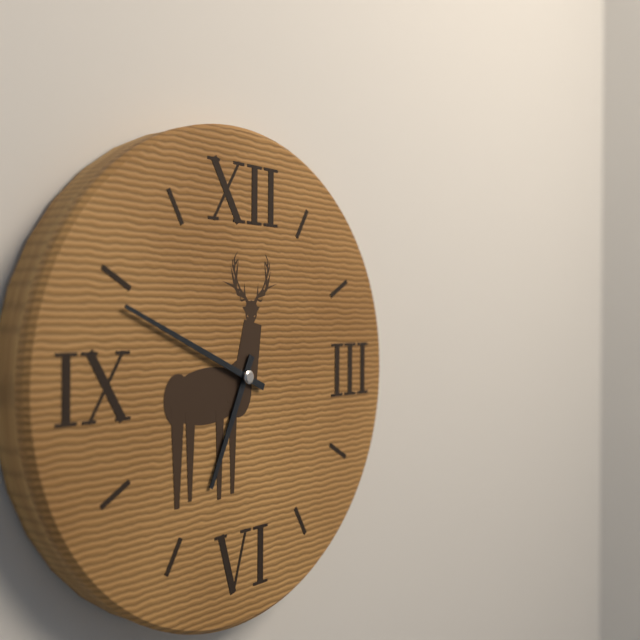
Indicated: 6 h 49 min
